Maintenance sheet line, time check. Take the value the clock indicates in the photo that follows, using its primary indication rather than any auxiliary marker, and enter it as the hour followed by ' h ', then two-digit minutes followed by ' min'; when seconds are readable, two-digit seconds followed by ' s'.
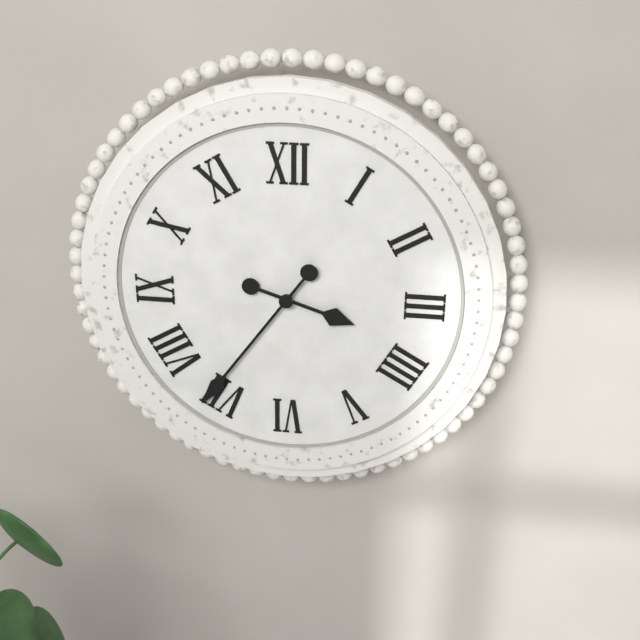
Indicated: 3 h 36 min
